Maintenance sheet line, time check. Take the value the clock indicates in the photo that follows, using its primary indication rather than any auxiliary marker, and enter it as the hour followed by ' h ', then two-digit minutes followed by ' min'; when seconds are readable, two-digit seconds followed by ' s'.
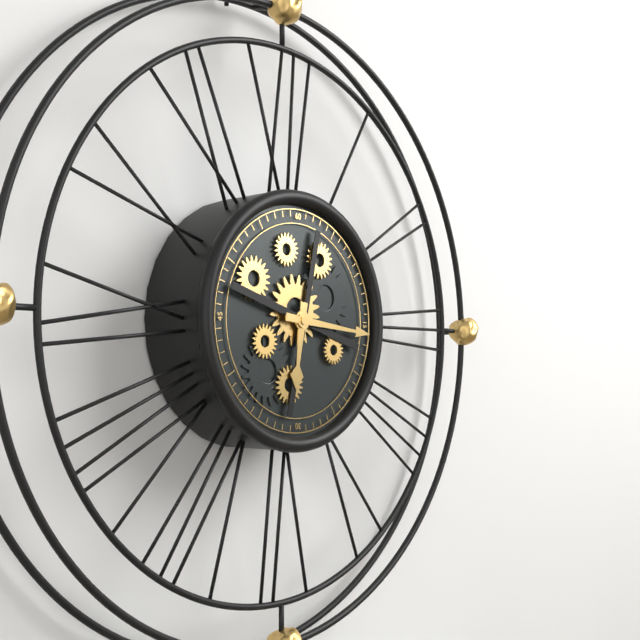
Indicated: 6 h 16 min
